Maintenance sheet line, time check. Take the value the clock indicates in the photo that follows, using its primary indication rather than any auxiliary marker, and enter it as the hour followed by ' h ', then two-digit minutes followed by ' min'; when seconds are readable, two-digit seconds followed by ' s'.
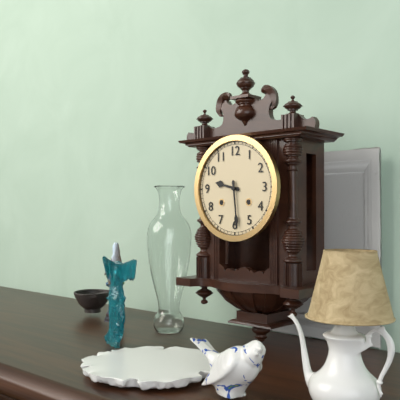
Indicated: 9 h 29 min
